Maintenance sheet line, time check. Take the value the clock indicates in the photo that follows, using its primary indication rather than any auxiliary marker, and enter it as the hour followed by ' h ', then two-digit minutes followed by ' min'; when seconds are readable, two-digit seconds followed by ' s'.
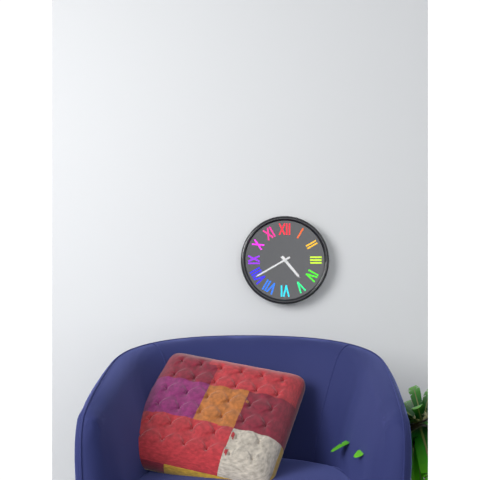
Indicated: 4 h 40 min
